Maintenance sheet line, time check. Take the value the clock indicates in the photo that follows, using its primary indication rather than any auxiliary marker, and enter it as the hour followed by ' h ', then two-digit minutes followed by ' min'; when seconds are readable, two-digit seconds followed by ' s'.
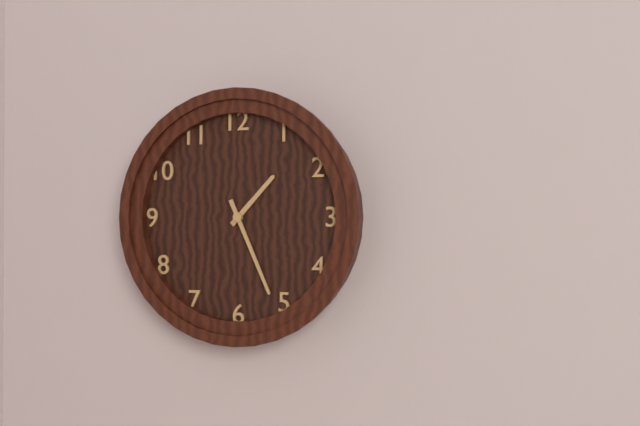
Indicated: 1 h 26 min
